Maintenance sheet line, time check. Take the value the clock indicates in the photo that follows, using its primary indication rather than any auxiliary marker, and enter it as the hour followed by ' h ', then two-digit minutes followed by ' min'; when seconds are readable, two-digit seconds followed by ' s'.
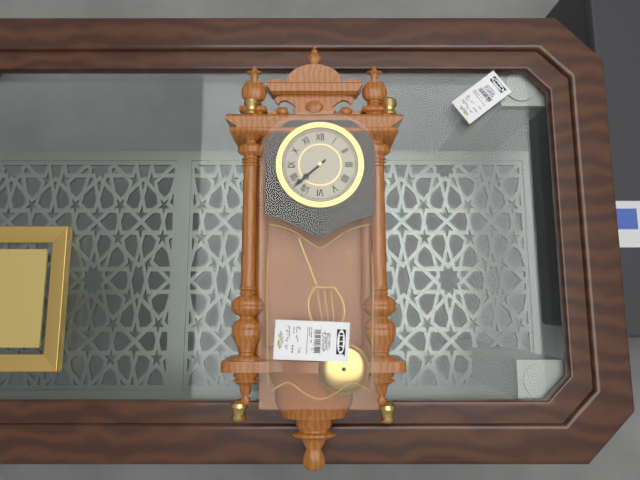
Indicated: 7 h 38 min
